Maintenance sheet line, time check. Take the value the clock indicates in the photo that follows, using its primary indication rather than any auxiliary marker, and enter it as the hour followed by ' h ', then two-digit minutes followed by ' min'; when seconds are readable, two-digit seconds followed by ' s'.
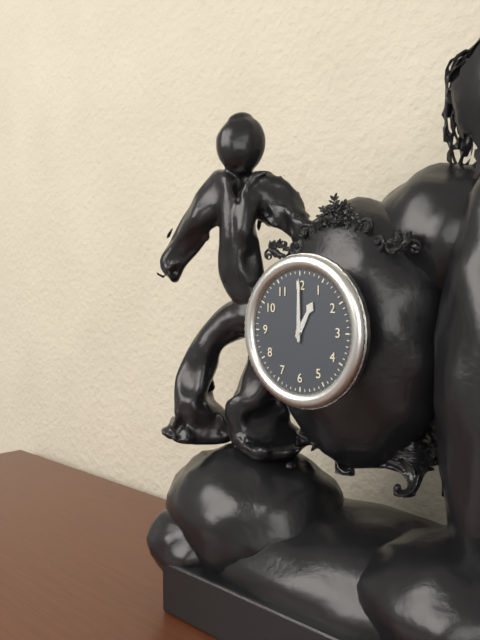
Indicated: 1 h 00 min
